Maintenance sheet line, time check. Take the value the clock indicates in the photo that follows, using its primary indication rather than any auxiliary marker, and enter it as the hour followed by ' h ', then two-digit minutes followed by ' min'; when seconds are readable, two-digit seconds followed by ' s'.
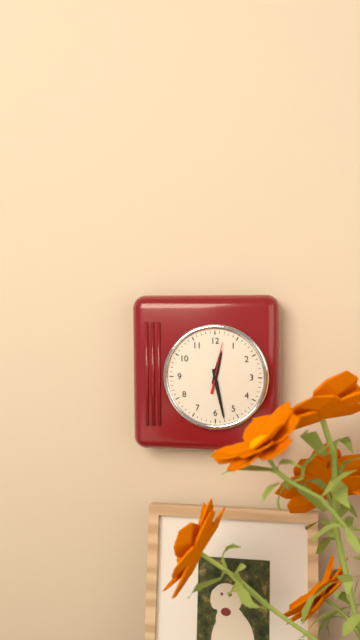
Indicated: 12 h 28 min
